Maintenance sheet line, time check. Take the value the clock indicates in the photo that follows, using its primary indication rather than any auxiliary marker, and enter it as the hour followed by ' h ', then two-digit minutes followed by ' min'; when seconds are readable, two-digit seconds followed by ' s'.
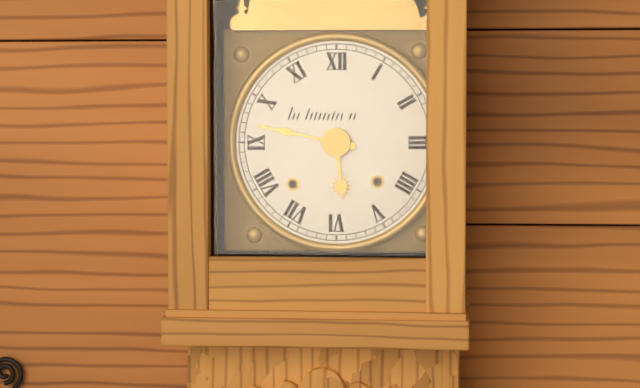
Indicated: 5 h 47 min
